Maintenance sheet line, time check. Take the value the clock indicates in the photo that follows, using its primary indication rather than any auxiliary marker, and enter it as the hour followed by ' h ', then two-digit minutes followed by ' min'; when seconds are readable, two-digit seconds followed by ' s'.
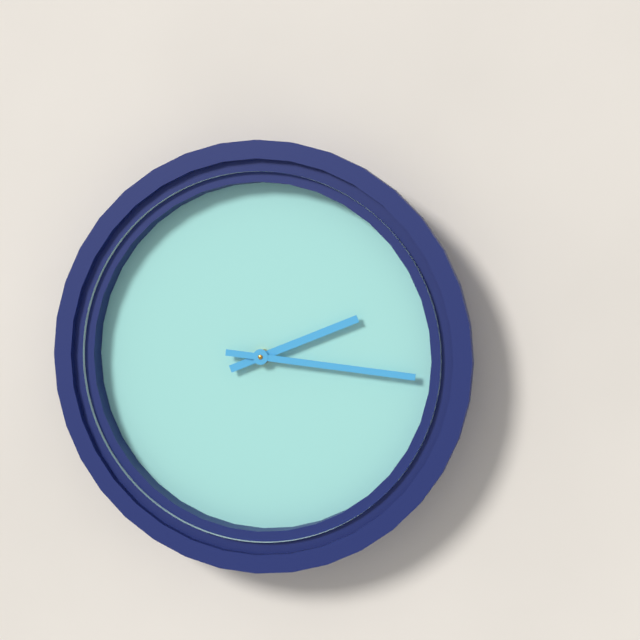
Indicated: 2 h 16 min
